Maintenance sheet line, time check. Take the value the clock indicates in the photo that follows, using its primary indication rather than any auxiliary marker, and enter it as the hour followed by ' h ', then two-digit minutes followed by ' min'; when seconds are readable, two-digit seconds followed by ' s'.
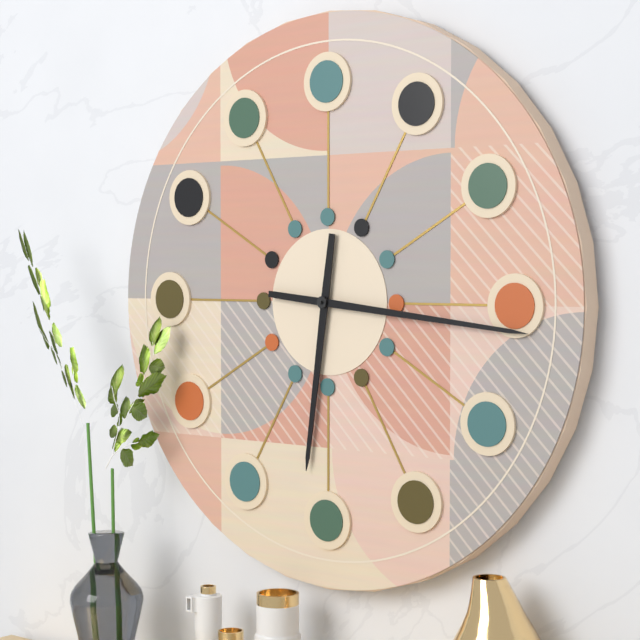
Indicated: 6 h 16 min
